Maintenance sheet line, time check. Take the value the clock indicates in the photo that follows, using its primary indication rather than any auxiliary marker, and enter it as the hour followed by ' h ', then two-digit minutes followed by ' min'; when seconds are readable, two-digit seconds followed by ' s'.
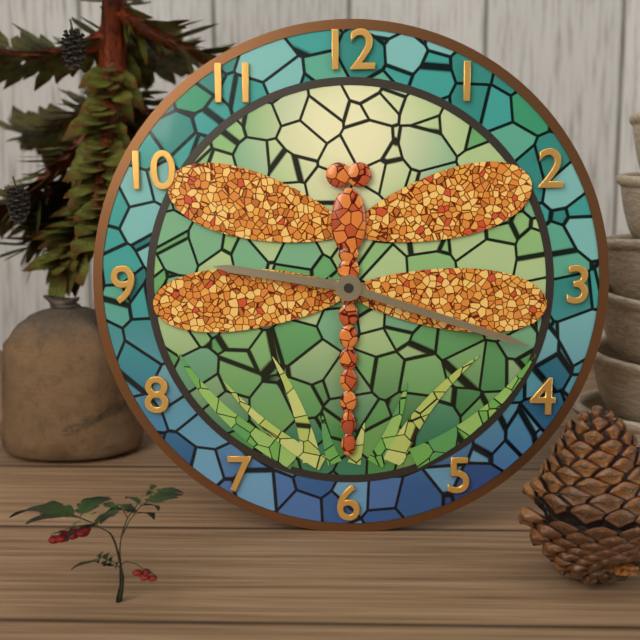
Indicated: 9 h 18 min
